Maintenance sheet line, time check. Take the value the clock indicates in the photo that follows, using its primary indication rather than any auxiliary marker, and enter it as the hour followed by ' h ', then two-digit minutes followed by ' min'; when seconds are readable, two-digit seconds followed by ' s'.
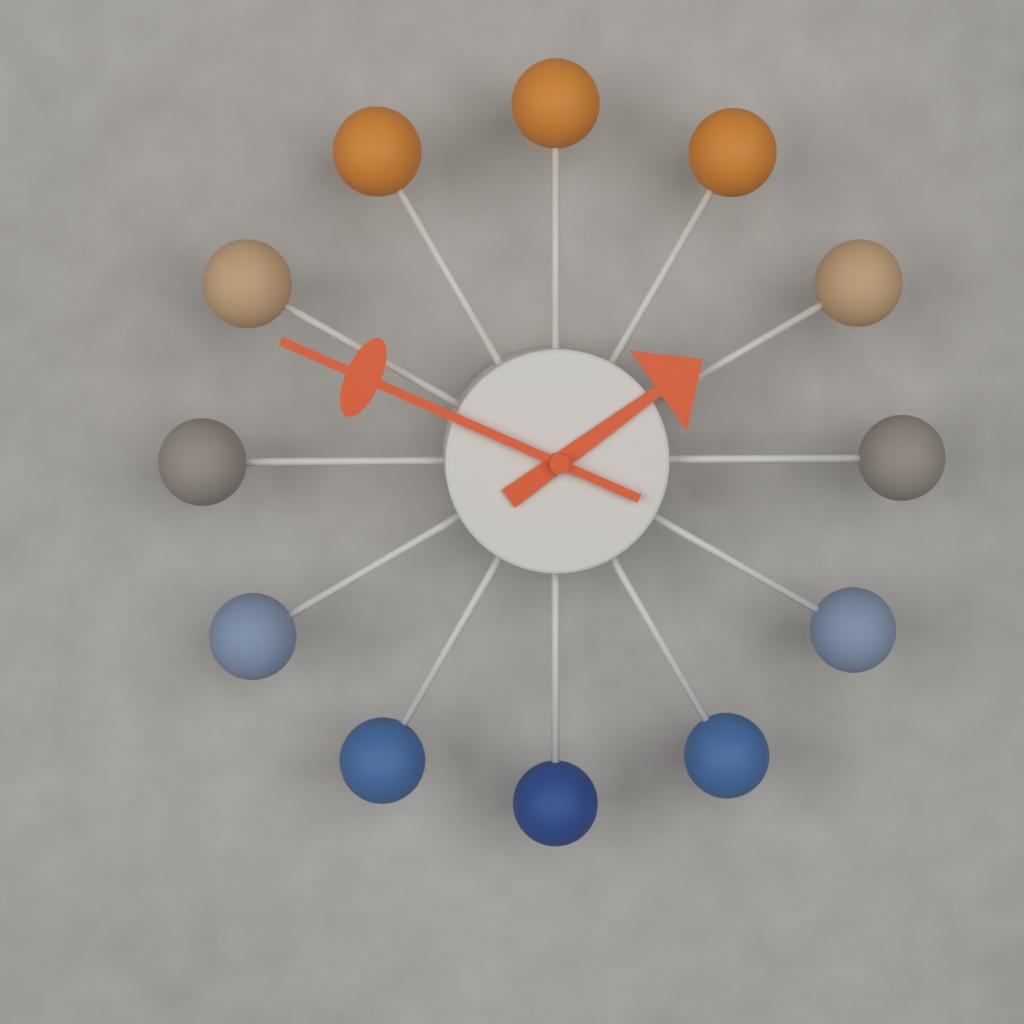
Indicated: 1 h 49 min
